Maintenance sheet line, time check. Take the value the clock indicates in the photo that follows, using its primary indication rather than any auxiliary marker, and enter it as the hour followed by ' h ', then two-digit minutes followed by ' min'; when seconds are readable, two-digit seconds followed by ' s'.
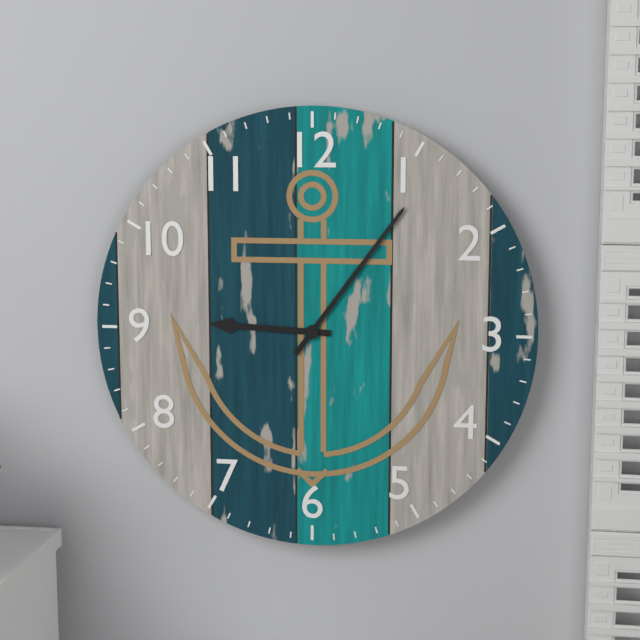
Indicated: 9 h 06 min
